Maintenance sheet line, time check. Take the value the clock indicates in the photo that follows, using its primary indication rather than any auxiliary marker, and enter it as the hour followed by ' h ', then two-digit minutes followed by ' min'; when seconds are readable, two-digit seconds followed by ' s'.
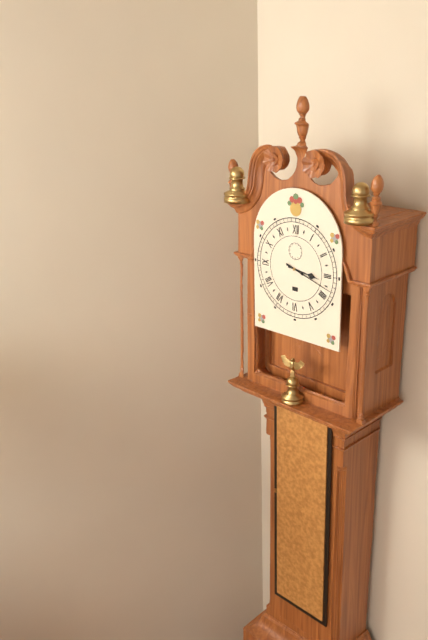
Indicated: 3 h 18 min
